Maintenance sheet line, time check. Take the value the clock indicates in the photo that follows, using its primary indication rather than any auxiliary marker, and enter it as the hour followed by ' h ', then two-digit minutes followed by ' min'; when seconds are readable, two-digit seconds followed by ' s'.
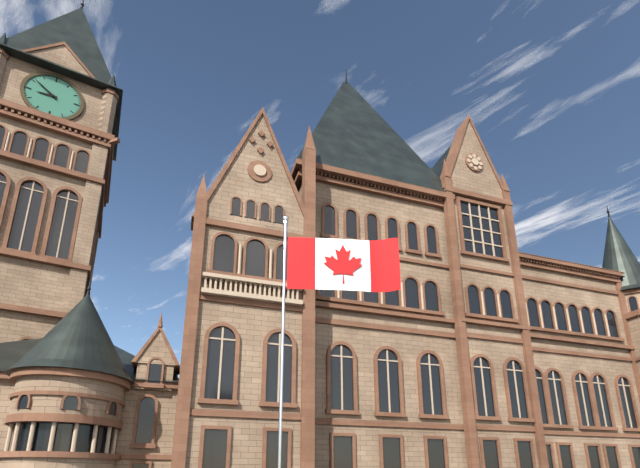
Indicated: 8 h 51 min
